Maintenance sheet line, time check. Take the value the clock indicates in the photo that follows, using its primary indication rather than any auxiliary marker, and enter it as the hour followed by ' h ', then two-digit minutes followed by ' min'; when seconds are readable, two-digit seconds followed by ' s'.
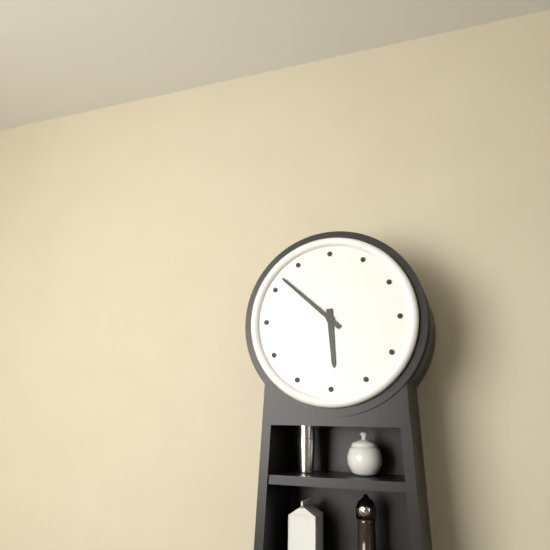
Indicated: 5 h 52 min
